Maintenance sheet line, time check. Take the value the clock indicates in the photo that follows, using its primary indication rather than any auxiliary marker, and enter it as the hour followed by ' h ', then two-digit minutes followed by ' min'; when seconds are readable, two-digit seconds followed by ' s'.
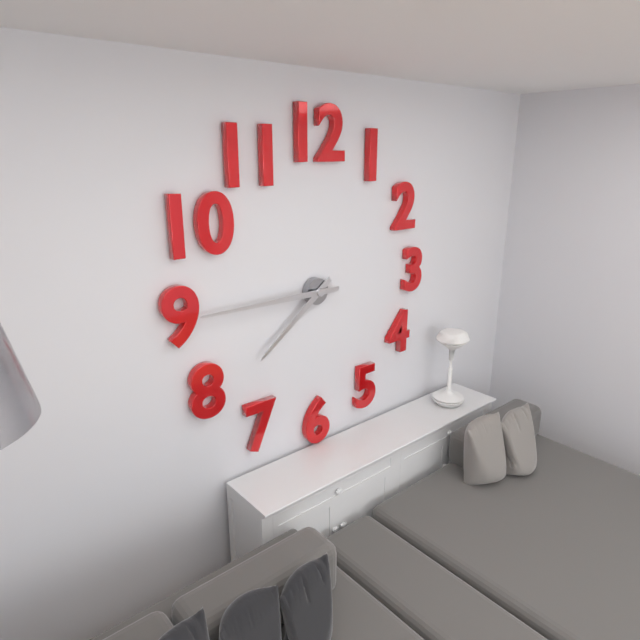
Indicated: 7 h 45 min
